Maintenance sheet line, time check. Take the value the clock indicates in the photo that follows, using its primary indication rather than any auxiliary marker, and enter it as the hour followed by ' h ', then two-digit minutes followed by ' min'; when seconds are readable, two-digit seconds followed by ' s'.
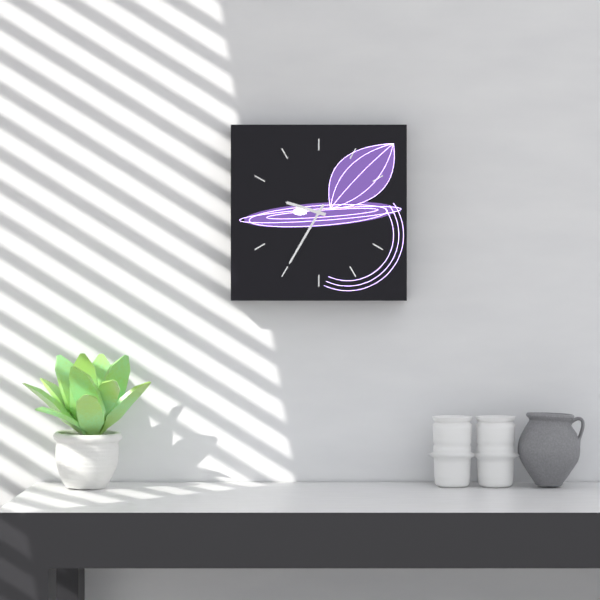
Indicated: 9 h 35 min
